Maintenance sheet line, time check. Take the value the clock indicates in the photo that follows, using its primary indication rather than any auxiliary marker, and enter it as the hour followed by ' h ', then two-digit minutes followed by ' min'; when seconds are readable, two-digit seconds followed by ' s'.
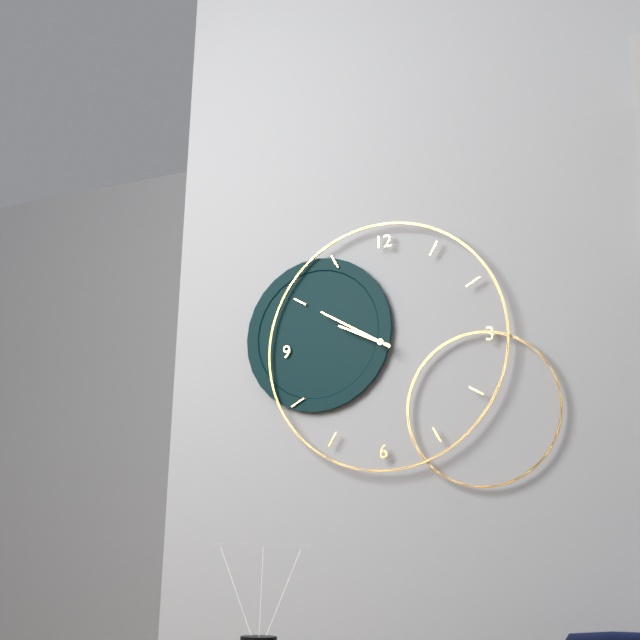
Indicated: 9 h 50 min
